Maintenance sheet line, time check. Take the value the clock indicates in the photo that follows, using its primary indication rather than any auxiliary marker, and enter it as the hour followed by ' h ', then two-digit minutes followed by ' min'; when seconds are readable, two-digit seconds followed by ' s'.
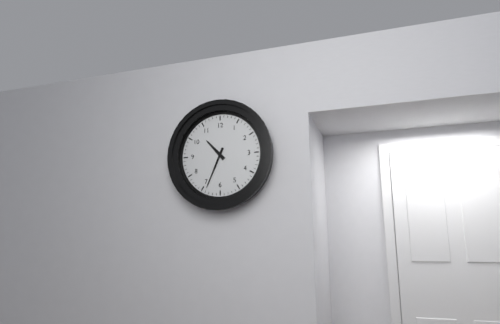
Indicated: 10 h 34 min
